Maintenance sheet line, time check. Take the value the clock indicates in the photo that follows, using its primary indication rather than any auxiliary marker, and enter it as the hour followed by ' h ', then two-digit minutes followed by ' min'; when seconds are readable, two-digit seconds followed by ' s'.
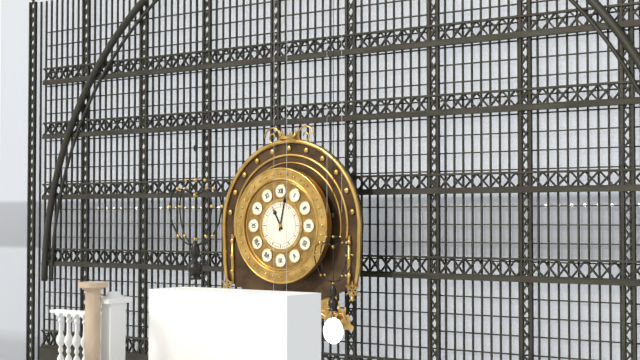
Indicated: 11 h 02 min
